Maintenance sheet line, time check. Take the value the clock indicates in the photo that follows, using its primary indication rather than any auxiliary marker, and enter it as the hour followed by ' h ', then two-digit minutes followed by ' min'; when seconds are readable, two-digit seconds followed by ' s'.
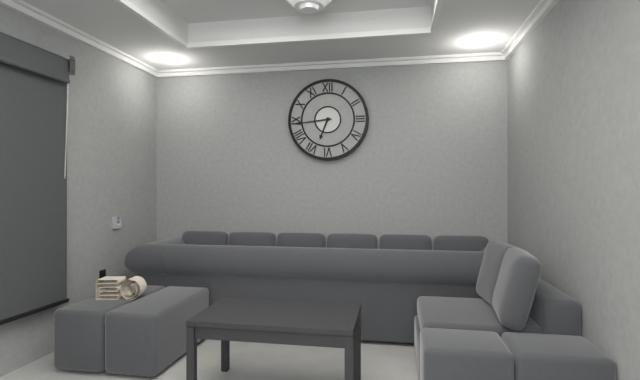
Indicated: 6 h 44 min
